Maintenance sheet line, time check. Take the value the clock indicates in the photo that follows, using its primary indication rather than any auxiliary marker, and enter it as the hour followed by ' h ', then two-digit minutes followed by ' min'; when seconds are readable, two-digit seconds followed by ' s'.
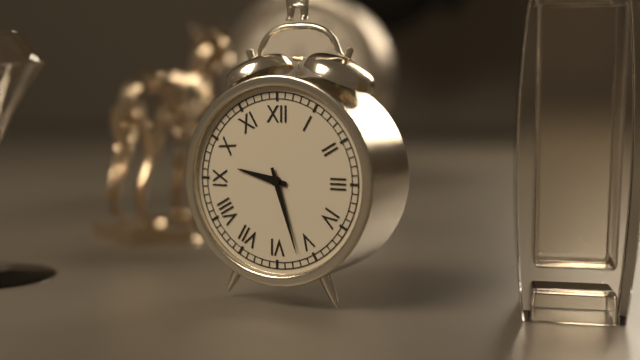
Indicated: 9 h 27 min
